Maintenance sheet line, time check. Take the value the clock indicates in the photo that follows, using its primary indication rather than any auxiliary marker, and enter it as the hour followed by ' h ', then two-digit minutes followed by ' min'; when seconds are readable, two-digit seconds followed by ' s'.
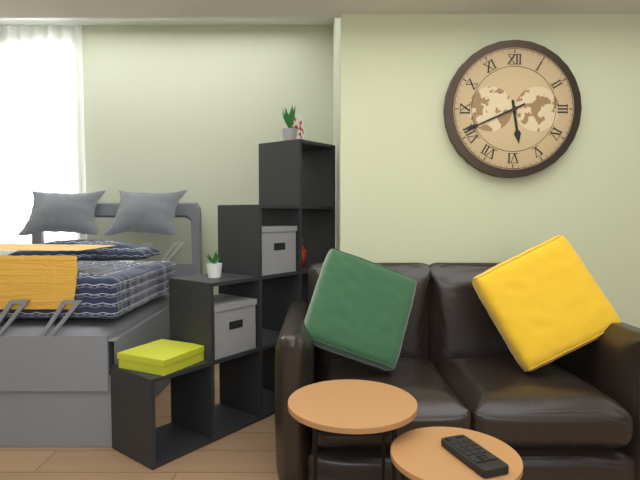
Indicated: 5 h 41 min
